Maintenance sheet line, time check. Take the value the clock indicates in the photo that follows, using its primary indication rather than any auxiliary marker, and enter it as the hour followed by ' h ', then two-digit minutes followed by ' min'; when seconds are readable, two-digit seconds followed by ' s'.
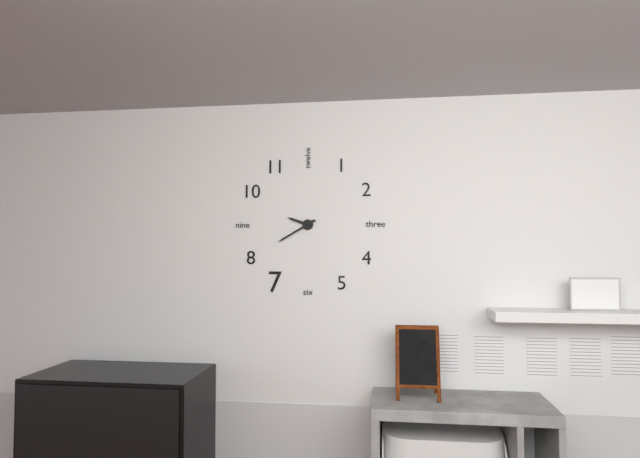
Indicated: 9 h 40 min
